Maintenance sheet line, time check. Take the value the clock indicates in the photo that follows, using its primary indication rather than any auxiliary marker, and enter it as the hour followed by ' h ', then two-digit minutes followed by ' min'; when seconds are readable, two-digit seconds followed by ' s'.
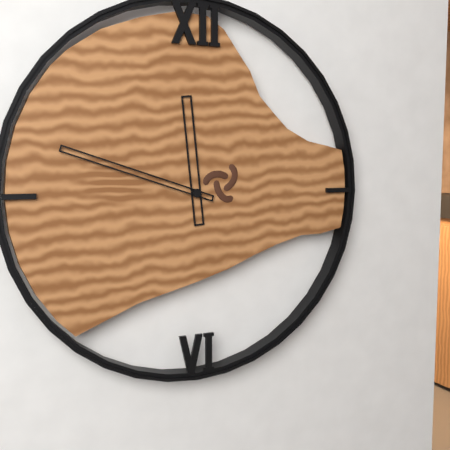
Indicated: 11 h 48 min
